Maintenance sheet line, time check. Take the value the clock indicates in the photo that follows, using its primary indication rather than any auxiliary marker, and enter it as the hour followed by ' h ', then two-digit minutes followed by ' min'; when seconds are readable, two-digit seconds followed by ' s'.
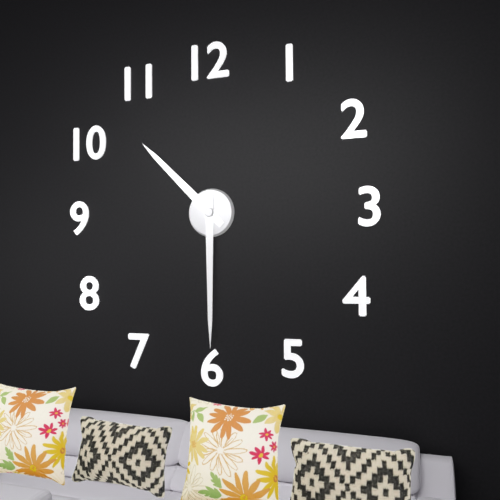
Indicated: 10 h 30 min
